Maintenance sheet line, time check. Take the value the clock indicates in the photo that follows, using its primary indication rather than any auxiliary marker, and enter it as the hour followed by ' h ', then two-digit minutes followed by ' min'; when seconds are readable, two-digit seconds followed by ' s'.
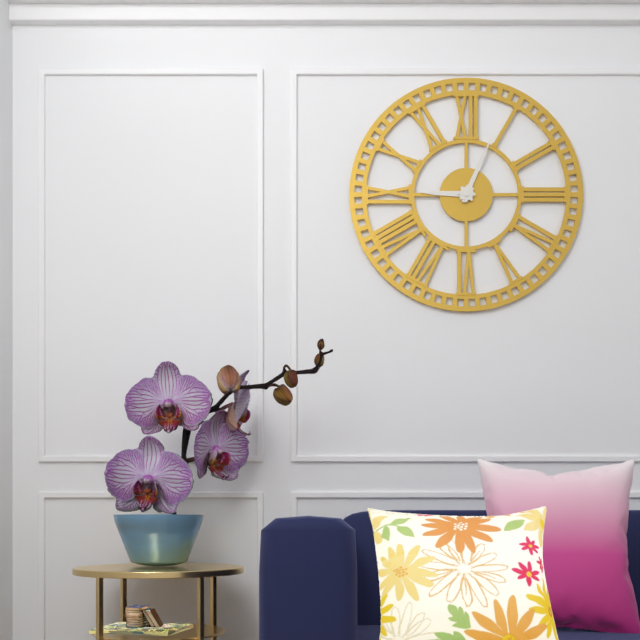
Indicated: 9 h 04 min
